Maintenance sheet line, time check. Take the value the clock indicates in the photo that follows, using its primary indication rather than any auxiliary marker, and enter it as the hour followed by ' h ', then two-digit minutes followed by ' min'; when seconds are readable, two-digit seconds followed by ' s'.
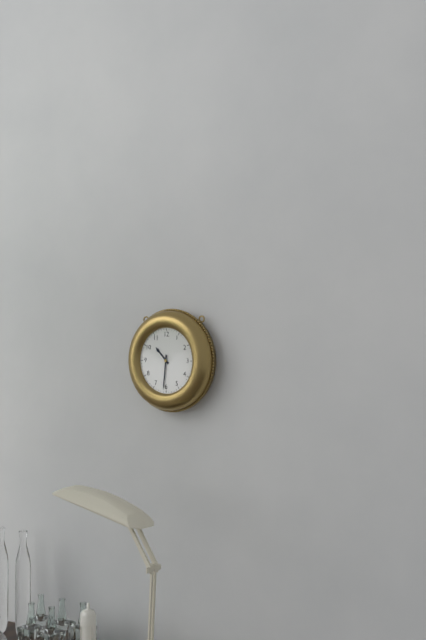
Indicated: 10 h 31 min
